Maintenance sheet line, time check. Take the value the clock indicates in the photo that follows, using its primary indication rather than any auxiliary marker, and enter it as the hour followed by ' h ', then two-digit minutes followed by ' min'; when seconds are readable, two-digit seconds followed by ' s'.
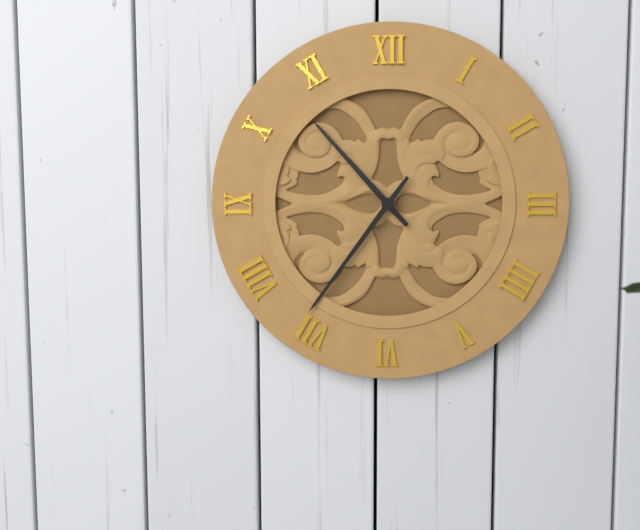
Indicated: 10 h 36 min
